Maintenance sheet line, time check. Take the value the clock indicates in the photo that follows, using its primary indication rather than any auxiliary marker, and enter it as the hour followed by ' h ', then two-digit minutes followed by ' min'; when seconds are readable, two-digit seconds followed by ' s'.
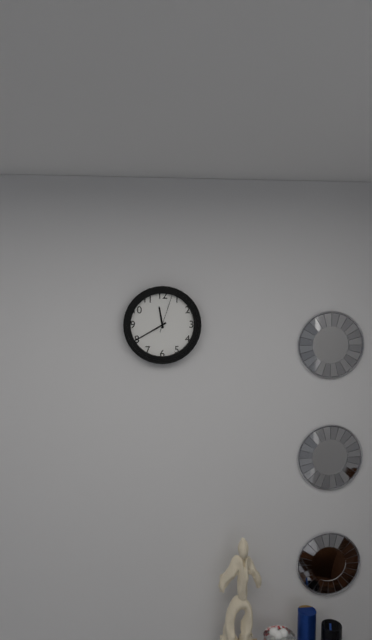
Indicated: 11 h 40 min
